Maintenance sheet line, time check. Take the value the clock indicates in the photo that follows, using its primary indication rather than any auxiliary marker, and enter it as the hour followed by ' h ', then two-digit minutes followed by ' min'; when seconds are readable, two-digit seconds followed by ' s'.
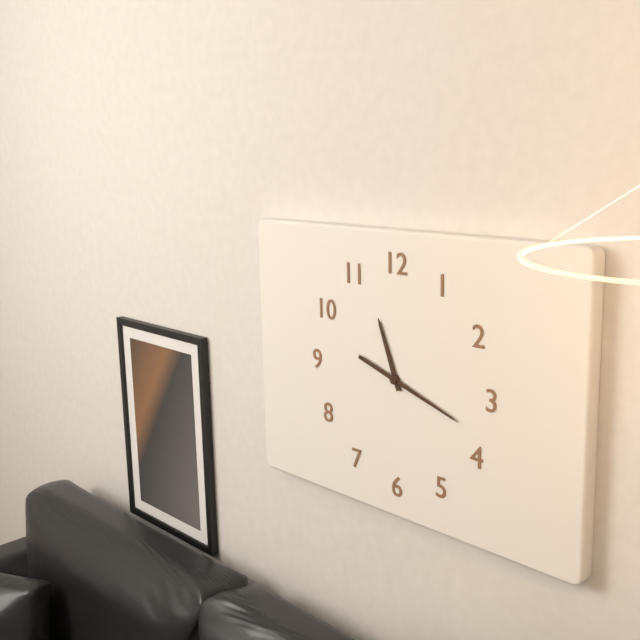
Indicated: 11 h 18 min
